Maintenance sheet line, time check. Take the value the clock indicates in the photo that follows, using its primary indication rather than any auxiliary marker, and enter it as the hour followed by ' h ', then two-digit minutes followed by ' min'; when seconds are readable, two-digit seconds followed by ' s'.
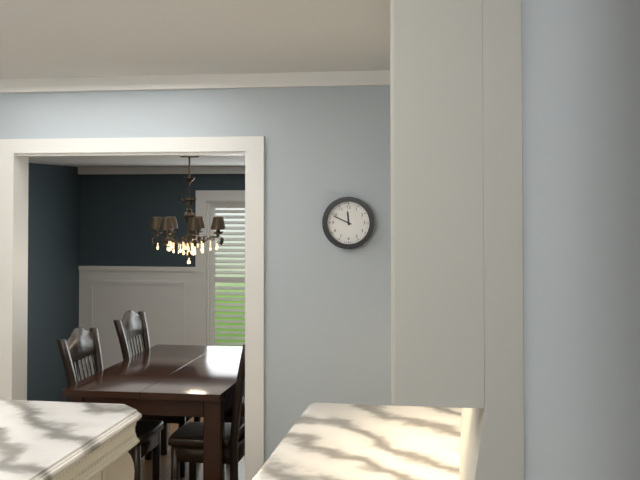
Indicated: 11 h 49 min
